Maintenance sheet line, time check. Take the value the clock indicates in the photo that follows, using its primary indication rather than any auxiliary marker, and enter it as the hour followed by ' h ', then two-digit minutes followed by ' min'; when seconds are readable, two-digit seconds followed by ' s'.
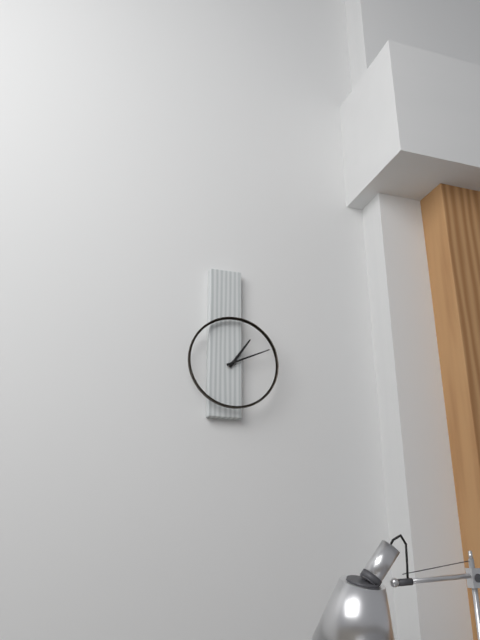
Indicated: 1 h 11 min
